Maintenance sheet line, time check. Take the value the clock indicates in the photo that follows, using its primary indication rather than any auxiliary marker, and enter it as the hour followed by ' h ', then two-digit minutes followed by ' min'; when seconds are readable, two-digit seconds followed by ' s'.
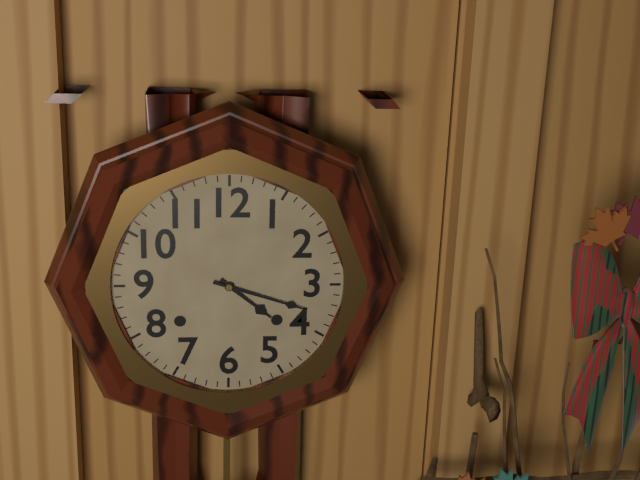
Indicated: 4 h 18 min
